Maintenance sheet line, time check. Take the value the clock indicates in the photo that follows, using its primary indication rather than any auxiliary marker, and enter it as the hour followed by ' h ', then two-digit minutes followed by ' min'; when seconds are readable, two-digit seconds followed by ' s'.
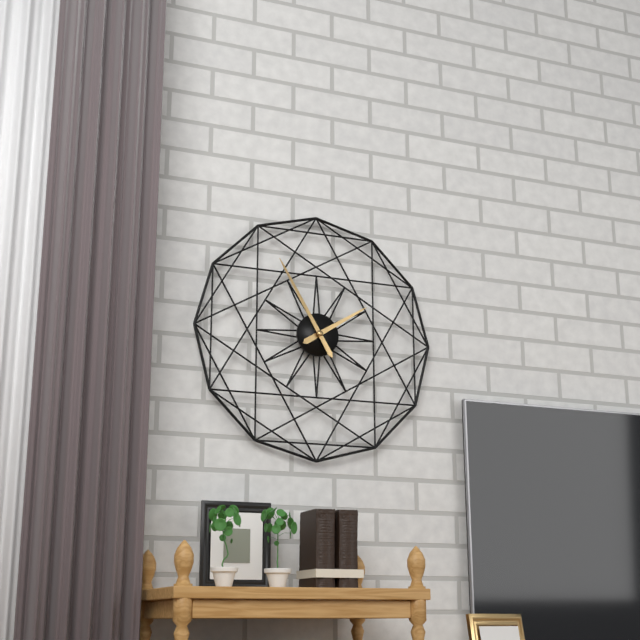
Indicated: 1 h 55 min
